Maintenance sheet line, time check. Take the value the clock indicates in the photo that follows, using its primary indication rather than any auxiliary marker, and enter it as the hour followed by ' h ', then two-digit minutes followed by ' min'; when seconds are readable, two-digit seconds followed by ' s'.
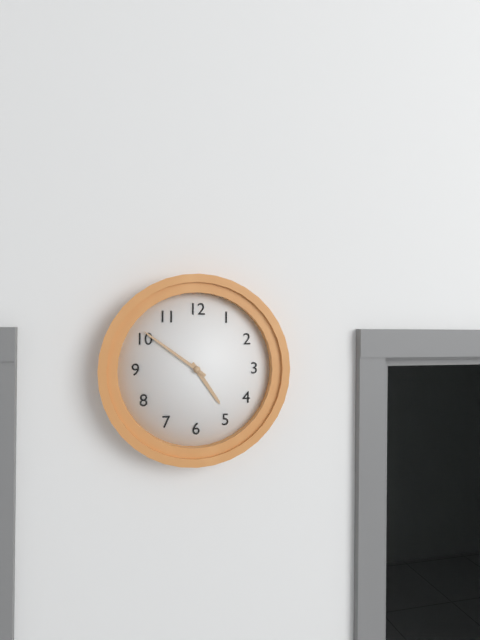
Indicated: 4 h 51 min
